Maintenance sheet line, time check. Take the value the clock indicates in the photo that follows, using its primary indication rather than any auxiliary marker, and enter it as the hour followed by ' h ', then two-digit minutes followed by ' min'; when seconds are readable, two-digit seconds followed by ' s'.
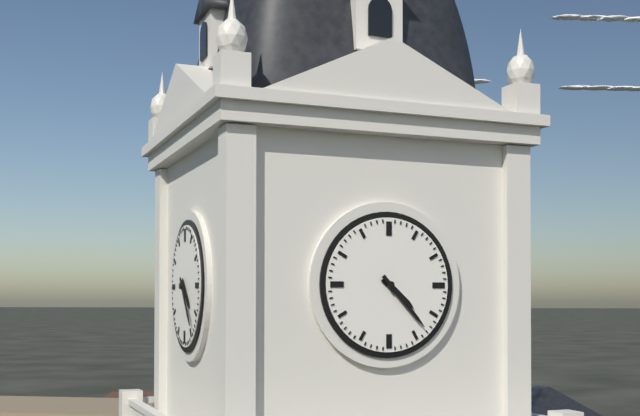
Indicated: 4 h 23 min
